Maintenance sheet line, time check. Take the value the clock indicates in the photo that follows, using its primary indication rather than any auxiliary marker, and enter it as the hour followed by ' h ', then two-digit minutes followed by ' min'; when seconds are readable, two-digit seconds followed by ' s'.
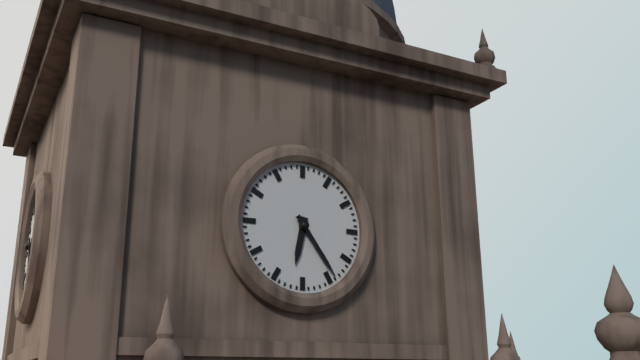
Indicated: 6 h 24 min
